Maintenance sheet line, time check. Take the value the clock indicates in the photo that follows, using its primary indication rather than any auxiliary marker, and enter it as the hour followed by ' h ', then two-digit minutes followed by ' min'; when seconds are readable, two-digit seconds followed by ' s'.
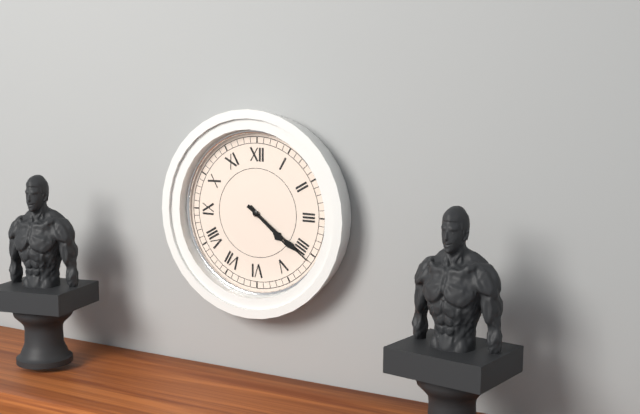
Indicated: 4 h 21 min
